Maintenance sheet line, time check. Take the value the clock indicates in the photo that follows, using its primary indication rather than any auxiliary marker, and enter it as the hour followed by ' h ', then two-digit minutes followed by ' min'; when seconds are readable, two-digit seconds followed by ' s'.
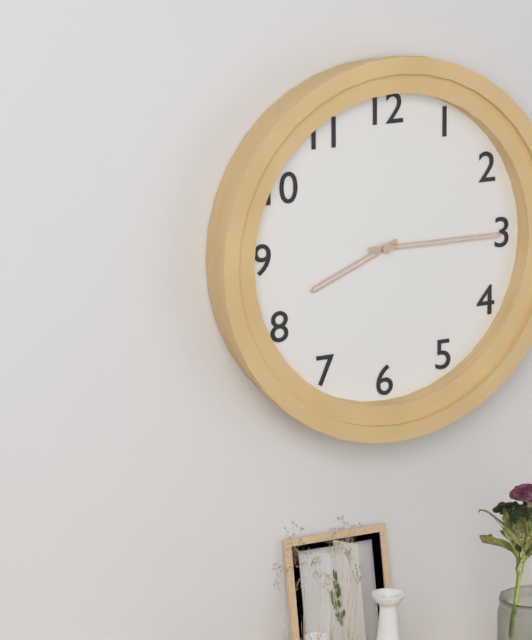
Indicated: 8 h 15 min
